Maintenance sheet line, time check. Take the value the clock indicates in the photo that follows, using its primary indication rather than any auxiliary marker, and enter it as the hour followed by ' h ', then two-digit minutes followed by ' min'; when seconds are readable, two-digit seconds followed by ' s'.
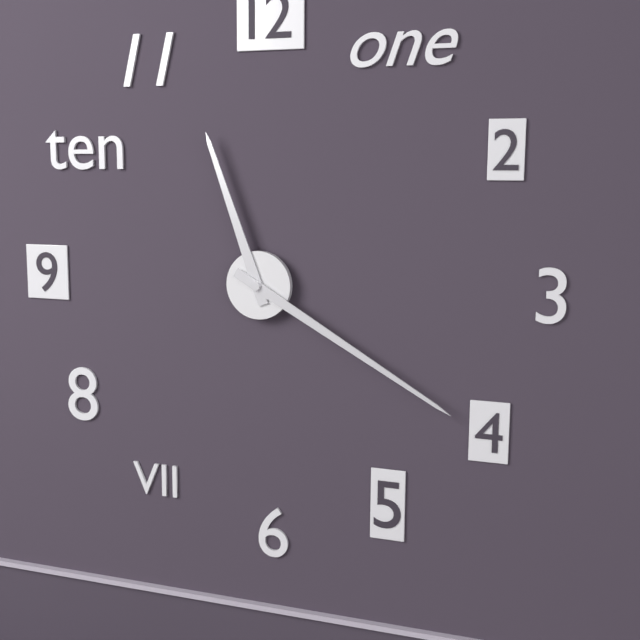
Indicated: 11 h 20 min
